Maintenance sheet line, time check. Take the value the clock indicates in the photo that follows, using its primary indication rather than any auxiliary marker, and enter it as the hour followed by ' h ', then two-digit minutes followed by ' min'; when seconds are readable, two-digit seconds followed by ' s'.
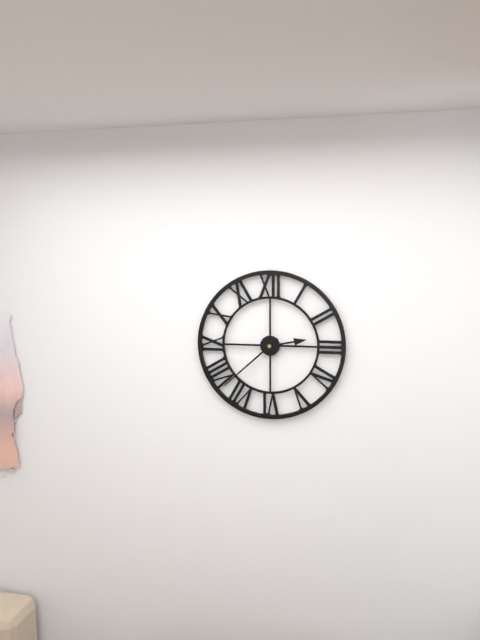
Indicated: 2 h 38 min
